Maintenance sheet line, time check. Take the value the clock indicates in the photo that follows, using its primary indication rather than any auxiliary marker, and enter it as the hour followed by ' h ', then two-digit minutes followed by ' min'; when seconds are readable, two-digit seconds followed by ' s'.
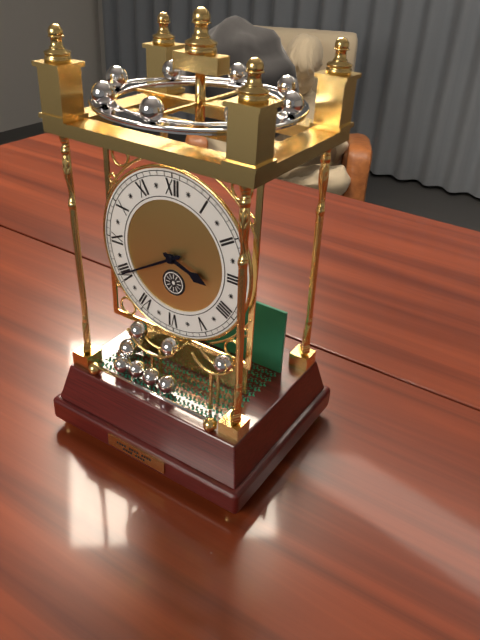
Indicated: 3 h 40 min
